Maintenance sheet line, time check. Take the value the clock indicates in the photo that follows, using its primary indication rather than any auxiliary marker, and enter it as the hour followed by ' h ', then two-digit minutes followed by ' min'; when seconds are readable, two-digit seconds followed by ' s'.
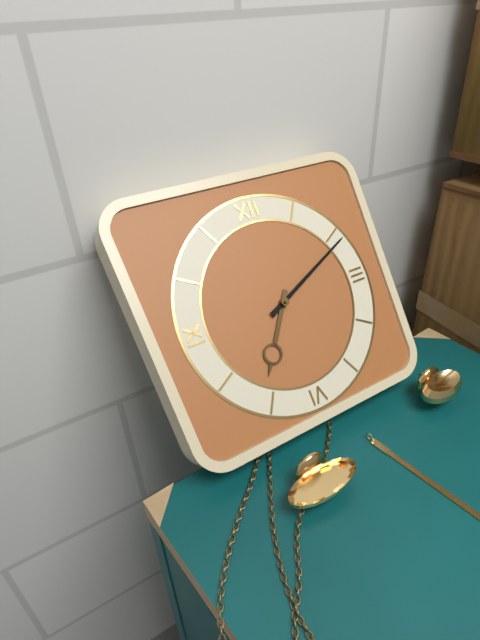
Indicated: 7 h 11 min
